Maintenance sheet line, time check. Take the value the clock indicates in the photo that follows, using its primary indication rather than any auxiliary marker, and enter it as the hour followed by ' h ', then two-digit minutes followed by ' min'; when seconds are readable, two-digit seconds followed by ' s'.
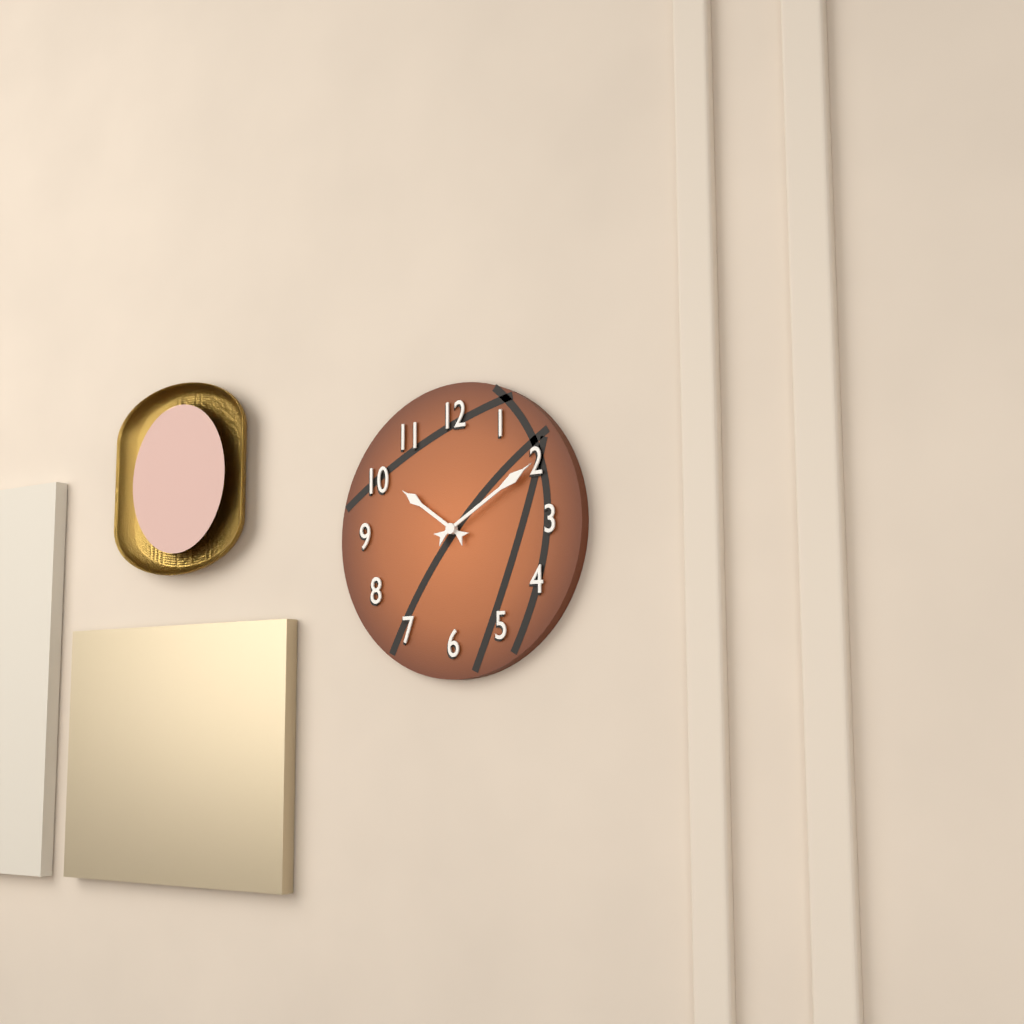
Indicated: 10 h 10 min
